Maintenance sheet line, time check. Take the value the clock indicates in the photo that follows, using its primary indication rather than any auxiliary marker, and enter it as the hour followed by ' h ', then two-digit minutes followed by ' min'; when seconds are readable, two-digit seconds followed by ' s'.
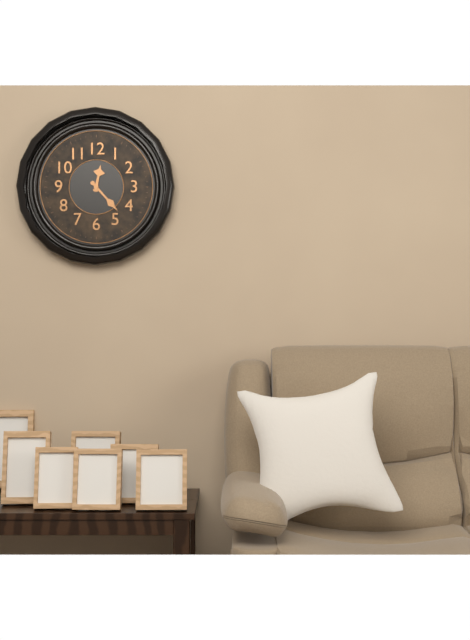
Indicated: 12 h 23 min
